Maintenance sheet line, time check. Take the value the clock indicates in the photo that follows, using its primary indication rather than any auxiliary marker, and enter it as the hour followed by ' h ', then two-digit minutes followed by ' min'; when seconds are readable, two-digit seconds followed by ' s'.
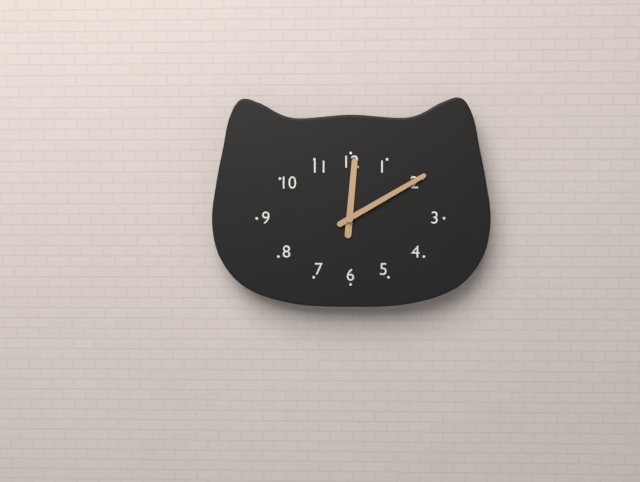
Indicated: 12 h 10 min
